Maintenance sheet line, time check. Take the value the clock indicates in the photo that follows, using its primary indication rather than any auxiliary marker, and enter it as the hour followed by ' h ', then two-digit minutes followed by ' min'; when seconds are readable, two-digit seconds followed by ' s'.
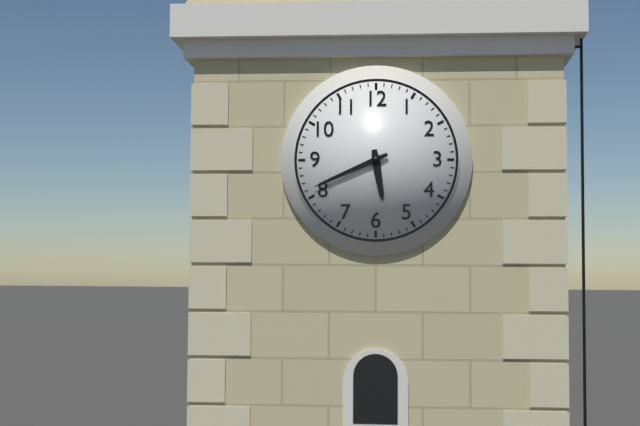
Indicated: 5 h 41 min
